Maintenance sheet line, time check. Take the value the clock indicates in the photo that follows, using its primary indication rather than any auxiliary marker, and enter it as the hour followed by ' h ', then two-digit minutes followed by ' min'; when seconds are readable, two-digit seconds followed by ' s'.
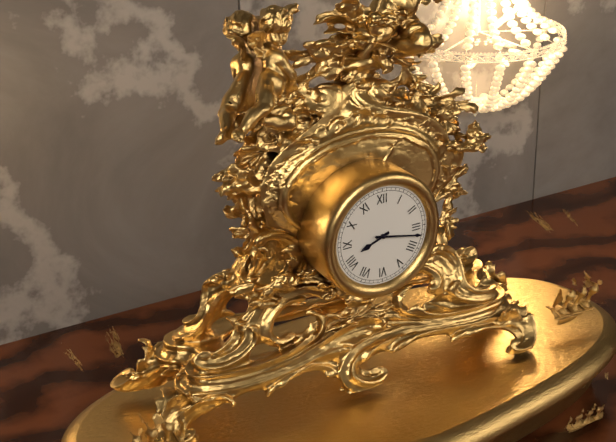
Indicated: 8 h 17 min
